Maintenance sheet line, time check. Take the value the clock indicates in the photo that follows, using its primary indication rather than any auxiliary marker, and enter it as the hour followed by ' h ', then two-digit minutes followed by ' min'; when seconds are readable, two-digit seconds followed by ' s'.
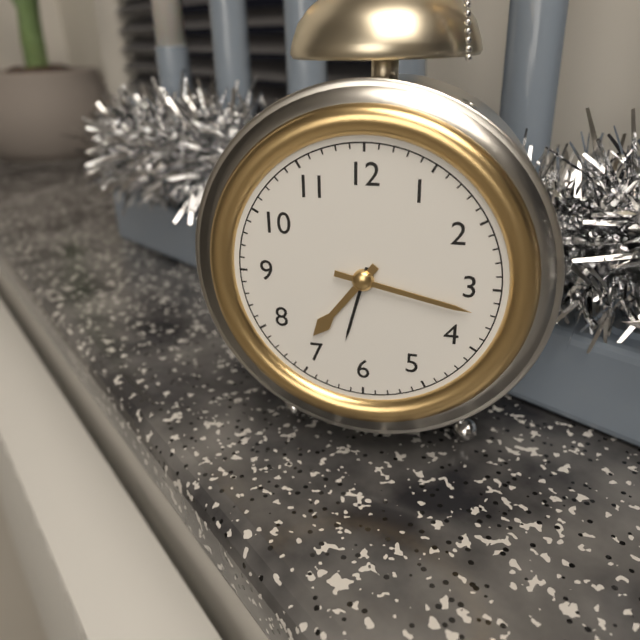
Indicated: 7 h 17 min
